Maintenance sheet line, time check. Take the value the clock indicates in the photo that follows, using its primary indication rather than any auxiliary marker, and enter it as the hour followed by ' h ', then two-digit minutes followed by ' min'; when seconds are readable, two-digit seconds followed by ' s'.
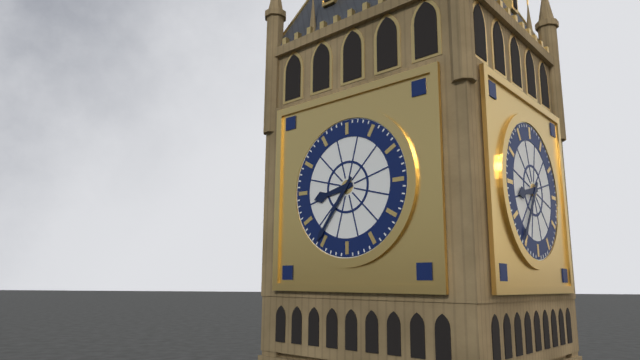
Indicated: 8 h 36 min
